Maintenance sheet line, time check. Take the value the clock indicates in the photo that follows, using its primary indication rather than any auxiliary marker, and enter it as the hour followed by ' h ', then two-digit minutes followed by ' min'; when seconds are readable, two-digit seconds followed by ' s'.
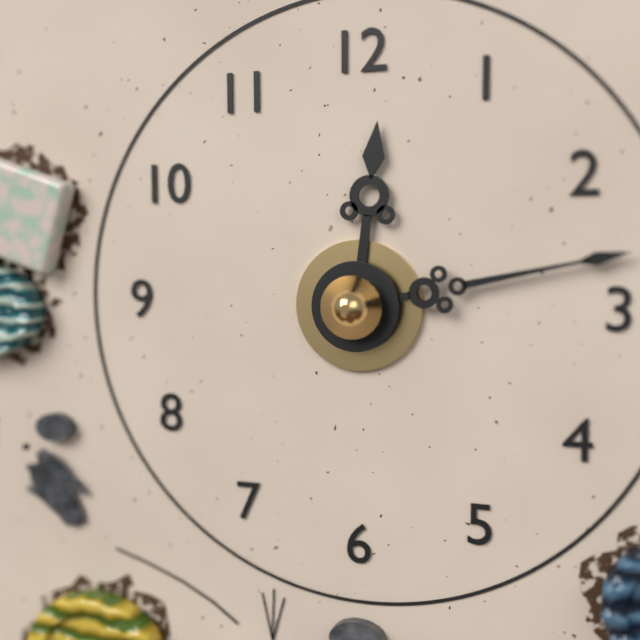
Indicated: 12 h 13 min
